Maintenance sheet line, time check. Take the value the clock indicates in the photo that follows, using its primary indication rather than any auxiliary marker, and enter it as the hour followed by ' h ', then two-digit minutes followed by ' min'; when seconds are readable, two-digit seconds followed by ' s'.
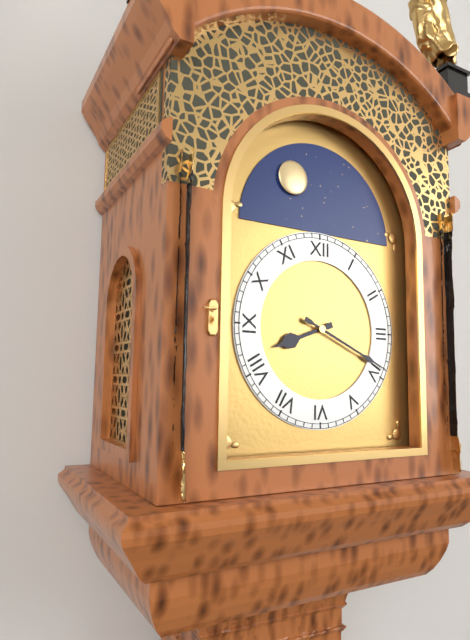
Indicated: 8 h 19 min
